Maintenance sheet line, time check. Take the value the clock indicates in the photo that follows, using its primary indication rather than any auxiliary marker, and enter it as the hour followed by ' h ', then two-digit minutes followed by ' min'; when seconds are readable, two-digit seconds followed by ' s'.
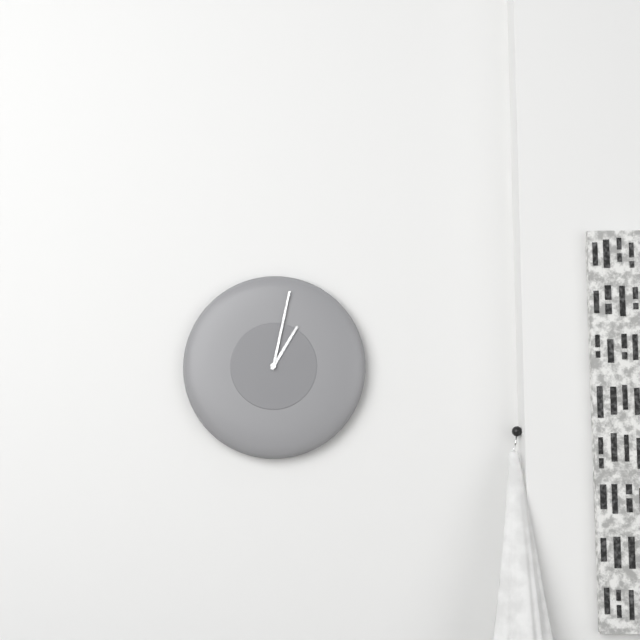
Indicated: 1 h 02 min
